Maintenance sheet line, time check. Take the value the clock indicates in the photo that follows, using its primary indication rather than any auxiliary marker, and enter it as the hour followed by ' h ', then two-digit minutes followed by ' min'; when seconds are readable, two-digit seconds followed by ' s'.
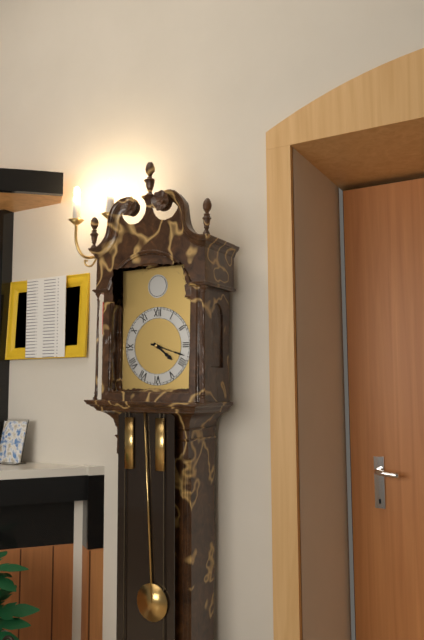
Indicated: 4 h 18 min
